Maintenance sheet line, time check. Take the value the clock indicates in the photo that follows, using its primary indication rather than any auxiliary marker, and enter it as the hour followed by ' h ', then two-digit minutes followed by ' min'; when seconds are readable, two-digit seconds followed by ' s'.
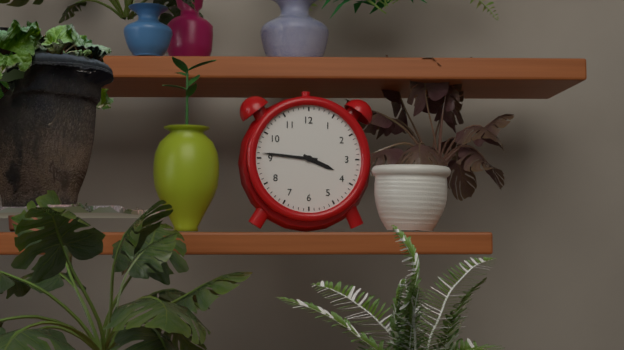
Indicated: 3 h 46 min
